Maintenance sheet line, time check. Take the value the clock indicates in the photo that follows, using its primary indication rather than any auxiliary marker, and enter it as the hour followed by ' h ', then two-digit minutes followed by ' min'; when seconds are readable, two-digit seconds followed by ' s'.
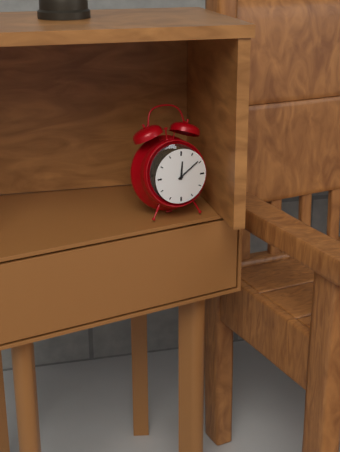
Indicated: 12 h 09 min
